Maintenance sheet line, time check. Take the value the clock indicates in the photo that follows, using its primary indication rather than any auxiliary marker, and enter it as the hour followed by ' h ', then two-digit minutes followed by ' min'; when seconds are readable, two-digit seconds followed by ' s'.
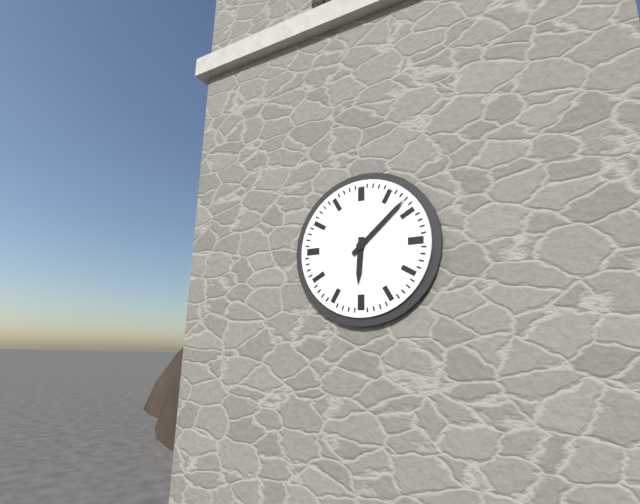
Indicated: 6 h 08 min
